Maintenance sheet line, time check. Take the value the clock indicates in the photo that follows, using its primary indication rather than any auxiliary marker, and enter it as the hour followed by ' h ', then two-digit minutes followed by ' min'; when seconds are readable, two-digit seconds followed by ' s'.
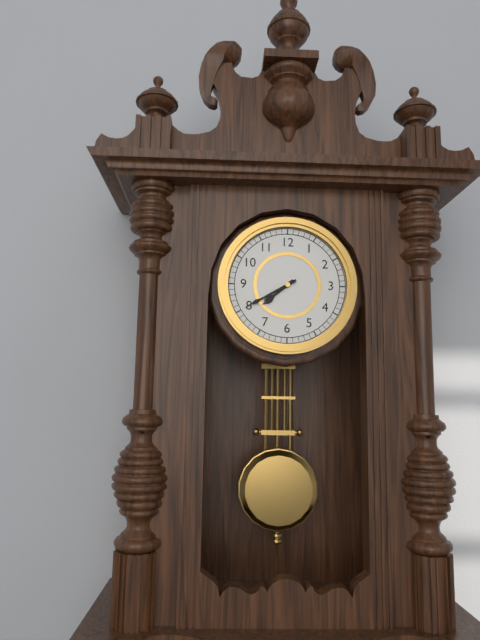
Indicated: 7 h 40 min
